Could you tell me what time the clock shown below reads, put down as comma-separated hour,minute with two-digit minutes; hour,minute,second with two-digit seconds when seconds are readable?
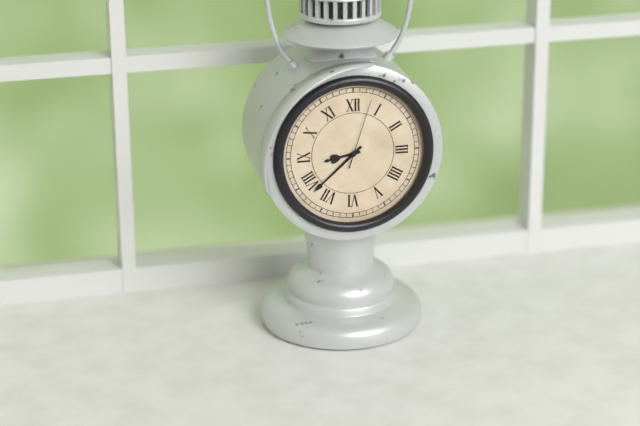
8,38,03
